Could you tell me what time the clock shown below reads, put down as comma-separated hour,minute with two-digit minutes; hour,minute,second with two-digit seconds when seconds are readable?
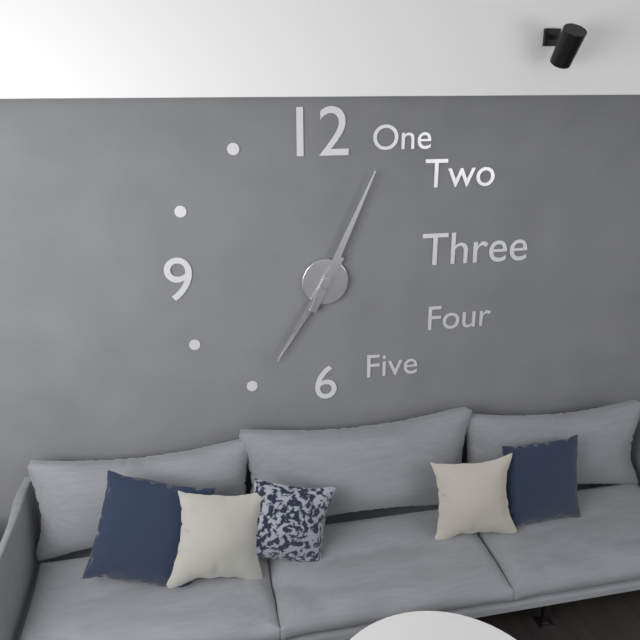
7,04
